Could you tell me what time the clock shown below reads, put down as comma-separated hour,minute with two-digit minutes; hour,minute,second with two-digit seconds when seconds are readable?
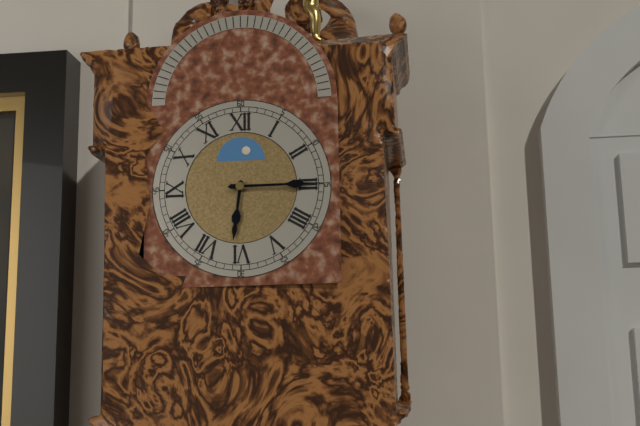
6,15
